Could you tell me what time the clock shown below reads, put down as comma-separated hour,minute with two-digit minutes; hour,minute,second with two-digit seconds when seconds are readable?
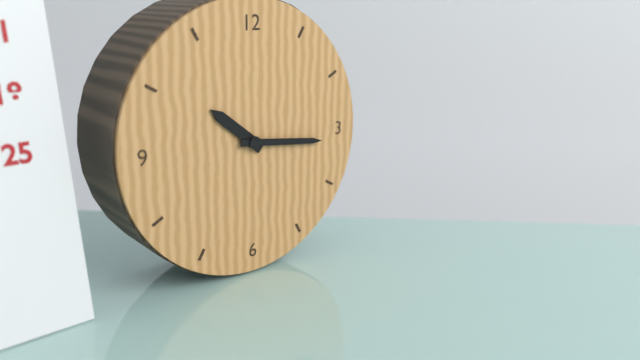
10,16
